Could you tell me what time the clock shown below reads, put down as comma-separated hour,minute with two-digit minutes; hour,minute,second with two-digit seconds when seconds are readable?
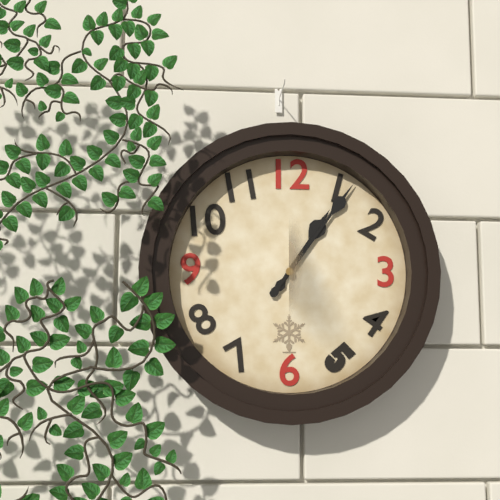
1,06
